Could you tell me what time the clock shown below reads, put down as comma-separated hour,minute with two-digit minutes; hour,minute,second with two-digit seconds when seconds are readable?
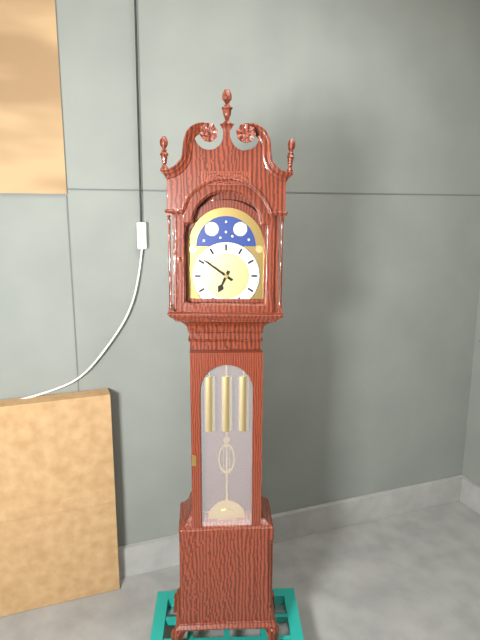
6,51
